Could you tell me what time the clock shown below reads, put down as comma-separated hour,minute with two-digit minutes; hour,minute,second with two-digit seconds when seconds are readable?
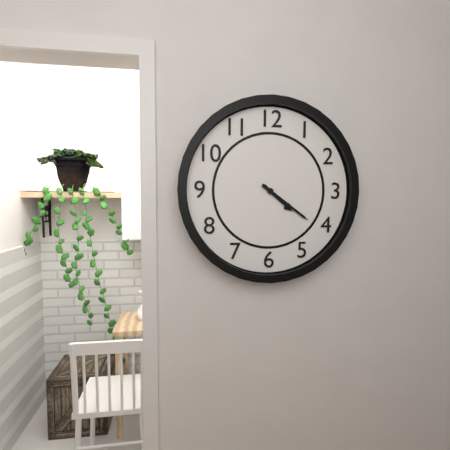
4,21
